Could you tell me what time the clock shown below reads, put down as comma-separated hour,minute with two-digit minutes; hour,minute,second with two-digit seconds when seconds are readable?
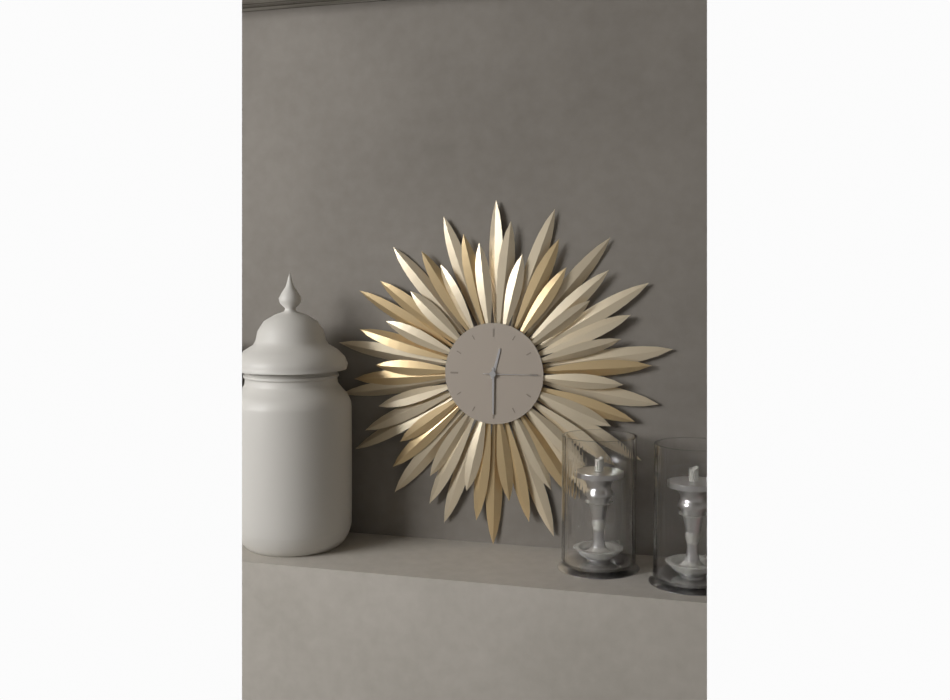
12,30,15
